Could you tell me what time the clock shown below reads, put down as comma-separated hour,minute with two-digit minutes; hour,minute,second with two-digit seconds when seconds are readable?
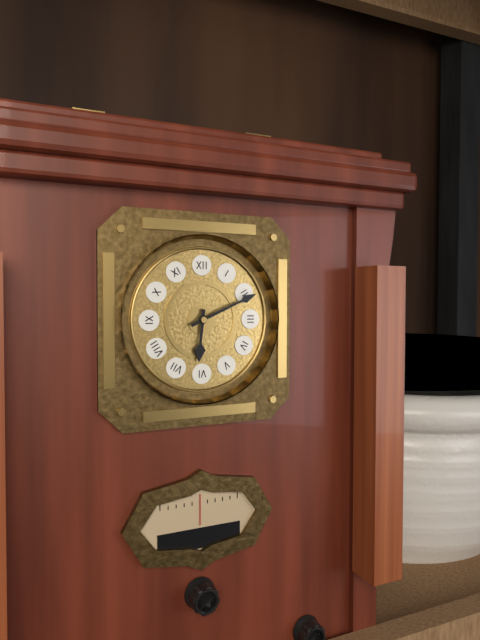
6,11
